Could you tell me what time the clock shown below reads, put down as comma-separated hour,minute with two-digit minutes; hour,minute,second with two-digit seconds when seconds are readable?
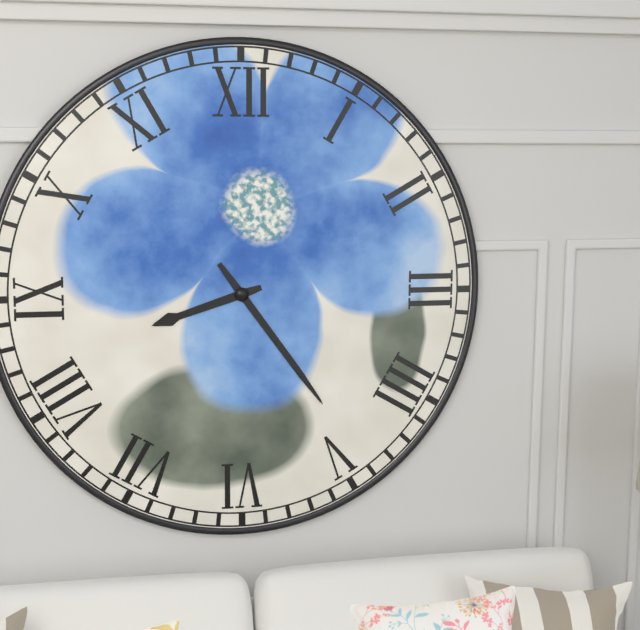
8,24
